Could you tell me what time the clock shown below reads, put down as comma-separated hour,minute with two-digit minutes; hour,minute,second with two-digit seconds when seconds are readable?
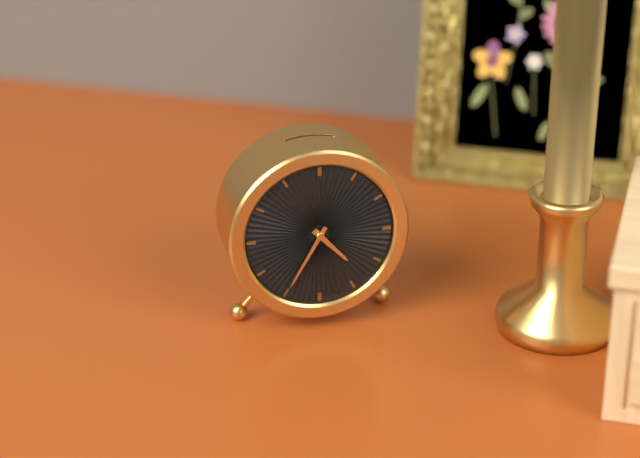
4,35
